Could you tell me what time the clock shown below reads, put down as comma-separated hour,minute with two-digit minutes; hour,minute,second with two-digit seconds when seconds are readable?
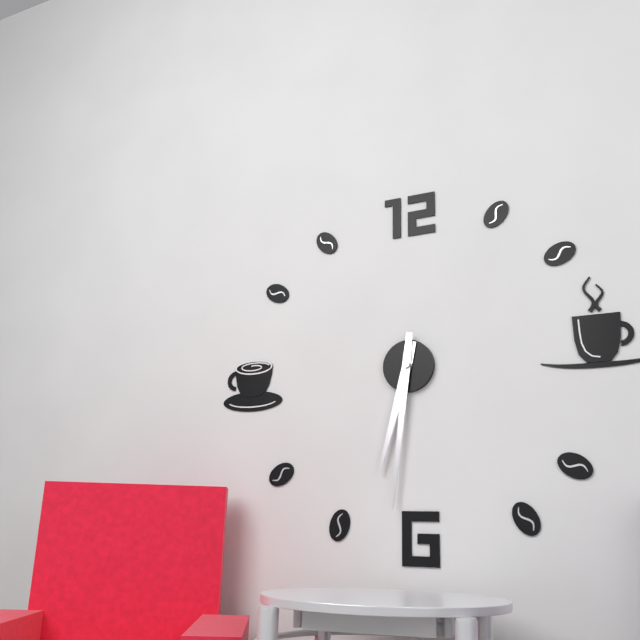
6,31
